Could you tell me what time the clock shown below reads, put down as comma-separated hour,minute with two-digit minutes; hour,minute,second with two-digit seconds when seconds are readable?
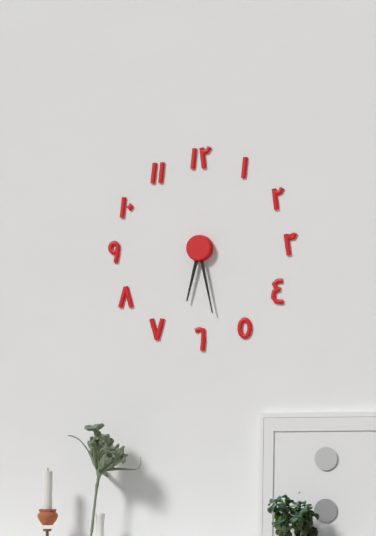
6,28
